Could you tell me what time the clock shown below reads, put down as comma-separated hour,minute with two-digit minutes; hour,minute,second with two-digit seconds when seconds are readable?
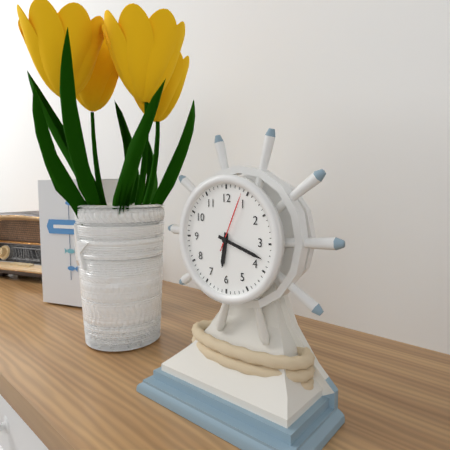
6,18,04
